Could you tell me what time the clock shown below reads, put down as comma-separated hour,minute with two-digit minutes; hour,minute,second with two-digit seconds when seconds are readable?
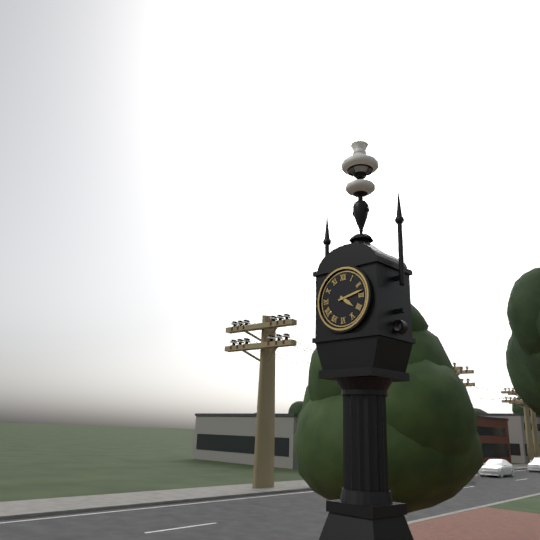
4,13
